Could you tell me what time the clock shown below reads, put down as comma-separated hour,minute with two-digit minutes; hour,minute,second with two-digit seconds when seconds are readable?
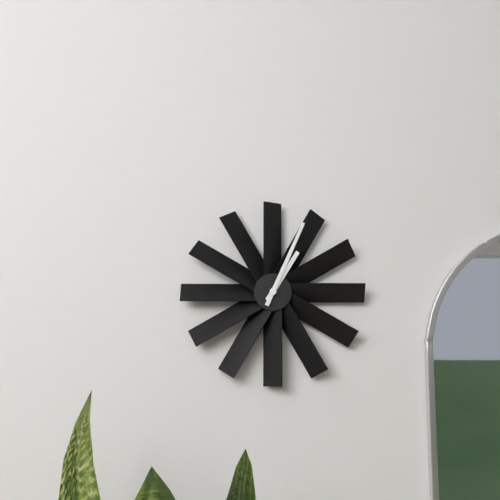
1,04
